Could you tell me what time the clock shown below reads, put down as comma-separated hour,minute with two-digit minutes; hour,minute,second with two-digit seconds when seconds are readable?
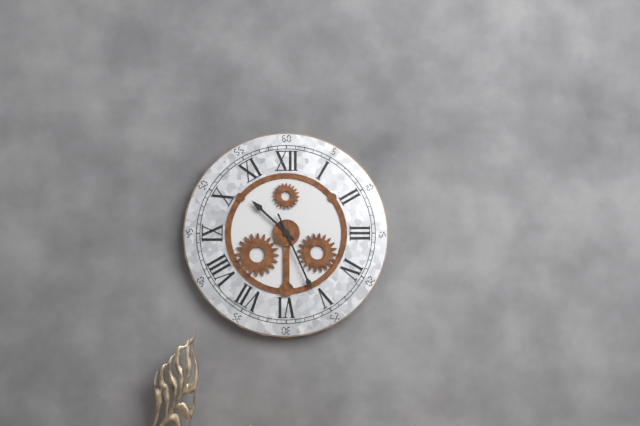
10,26
